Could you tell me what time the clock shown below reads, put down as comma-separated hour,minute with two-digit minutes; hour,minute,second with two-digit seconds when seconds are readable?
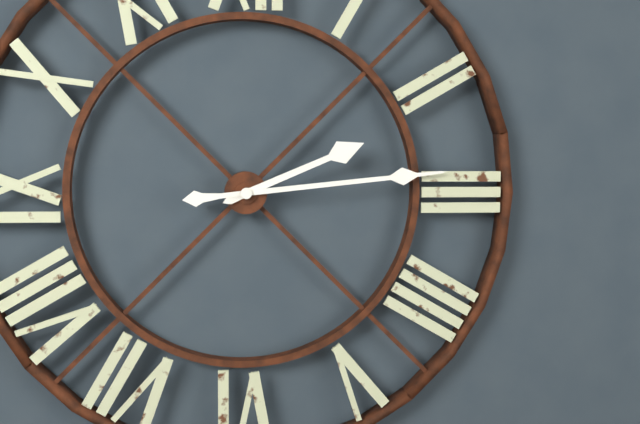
2,14
